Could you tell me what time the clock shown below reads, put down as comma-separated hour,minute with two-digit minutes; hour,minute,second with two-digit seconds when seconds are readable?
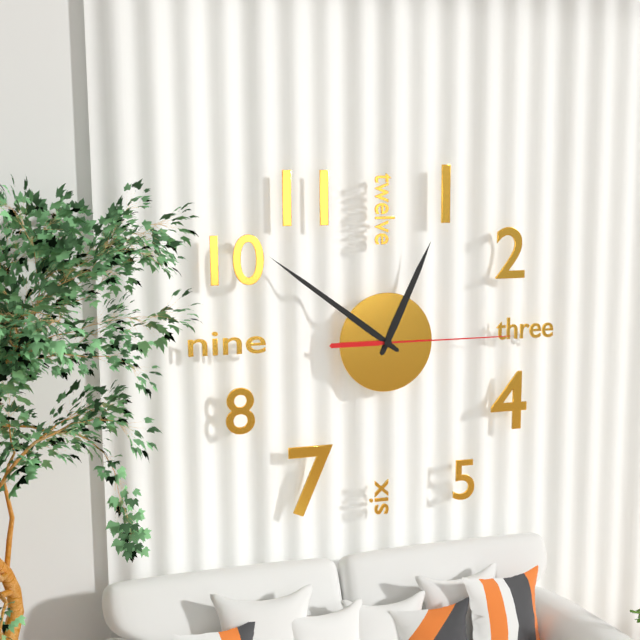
12,51,15
